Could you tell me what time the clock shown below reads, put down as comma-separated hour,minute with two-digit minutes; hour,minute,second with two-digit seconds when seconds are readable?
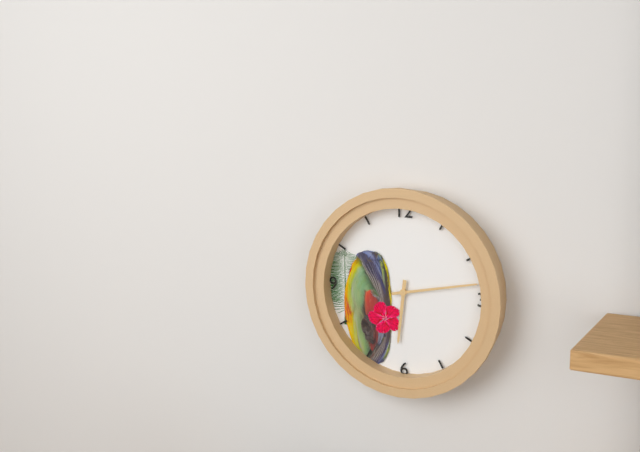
6,13
